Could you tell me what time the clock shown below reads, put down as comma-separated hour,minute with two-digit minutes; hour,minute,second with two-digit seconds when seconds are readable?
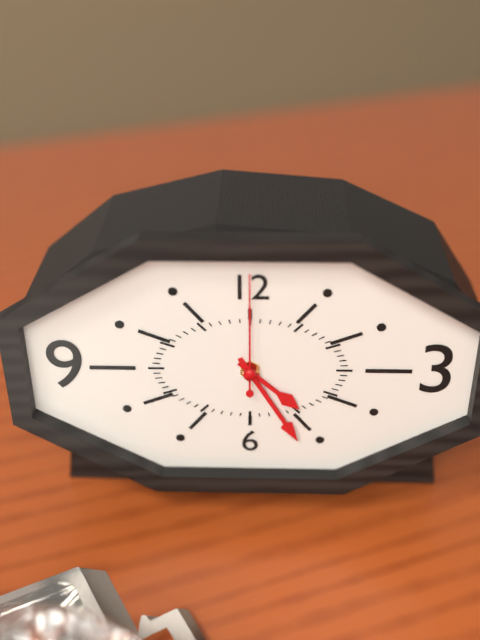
4,25,00
